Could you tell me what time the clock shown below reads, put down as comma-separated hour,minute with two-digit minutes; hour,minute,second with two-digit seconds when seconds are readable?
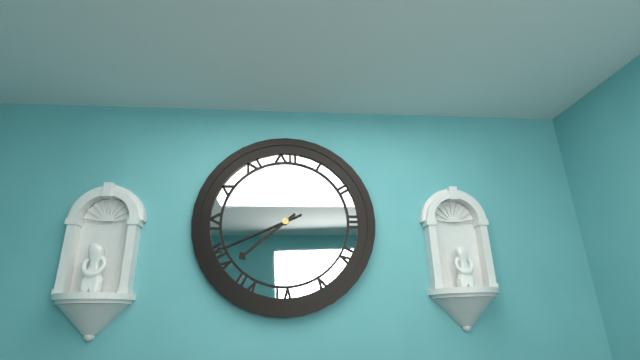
7,41
